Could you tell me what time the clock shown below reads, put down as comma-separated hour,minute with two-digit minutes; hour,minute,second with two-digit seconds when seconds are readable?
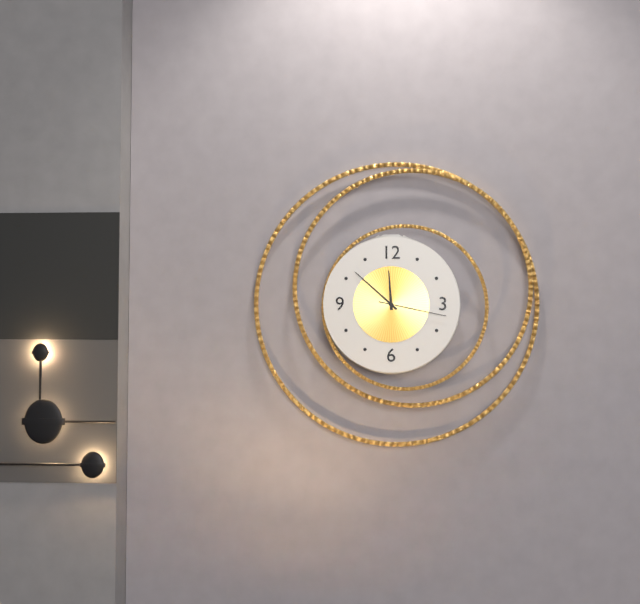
11,52,17
